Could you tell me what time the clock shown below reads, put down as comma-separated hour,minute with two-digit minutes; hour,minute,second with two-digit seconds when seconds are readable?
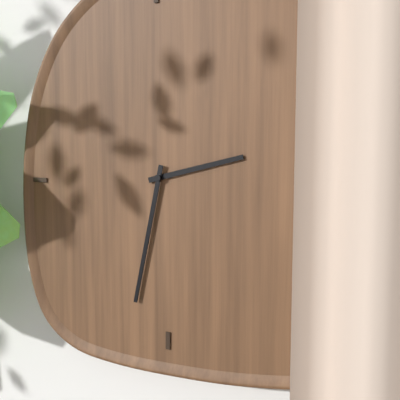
2,32
